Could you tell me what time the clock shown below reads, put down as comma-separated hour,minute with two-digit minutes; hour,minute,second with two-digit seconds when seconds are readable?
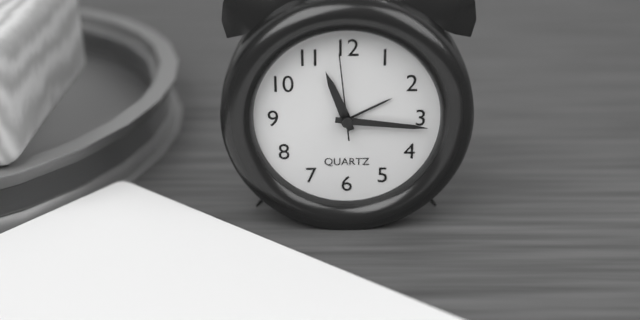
11,16,59
